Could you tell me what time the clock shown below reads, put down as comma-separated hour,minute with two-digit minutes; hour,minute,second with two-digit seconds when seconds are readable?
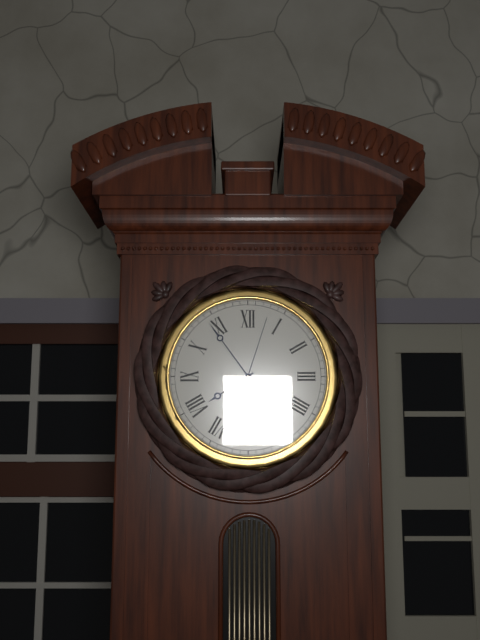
7,54,03
